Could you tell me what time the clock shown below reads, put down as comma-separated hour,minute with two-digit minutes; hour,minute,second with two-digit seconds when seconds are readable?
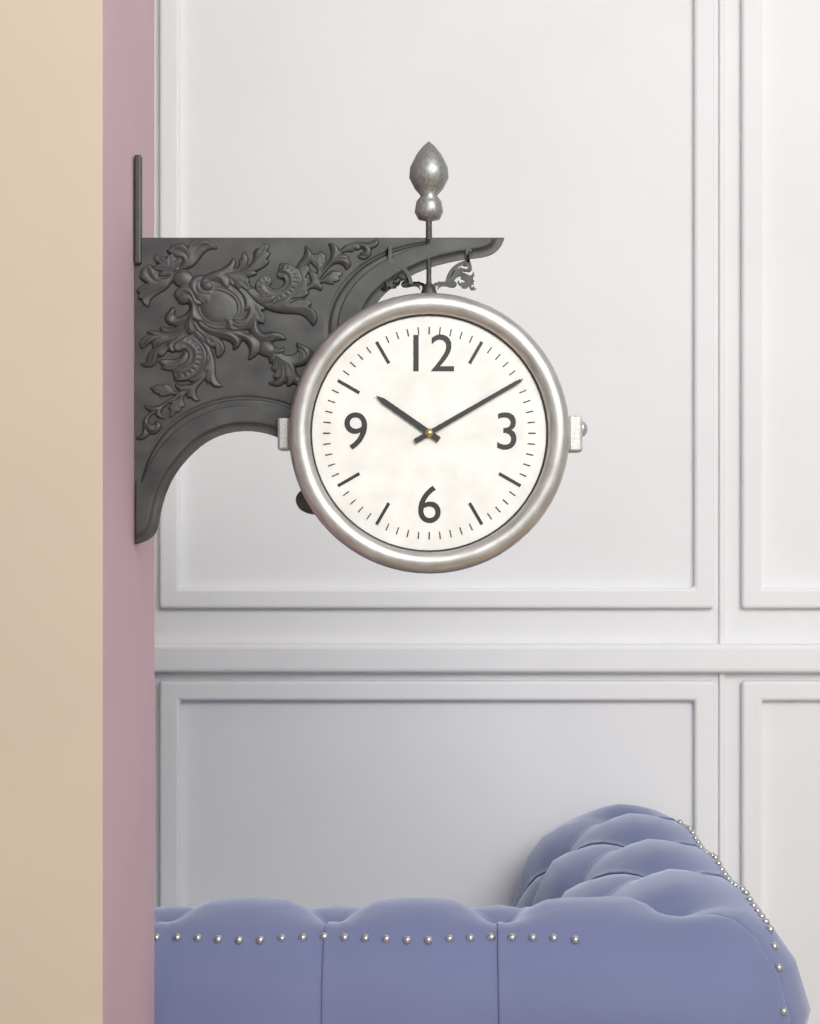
10,10
